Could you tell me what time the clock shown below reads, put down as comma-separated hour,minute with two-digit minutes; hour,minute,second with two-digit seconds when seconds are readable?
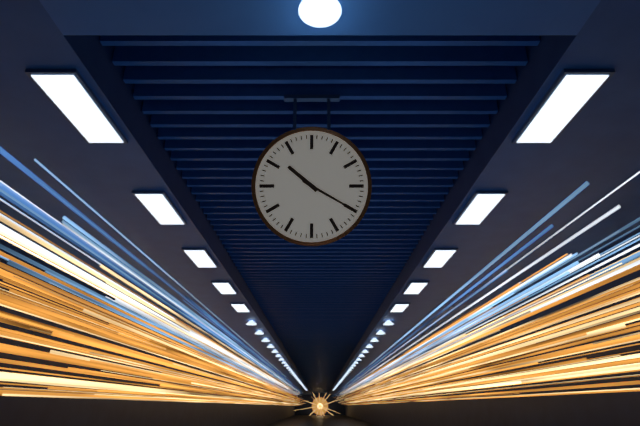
10,20
